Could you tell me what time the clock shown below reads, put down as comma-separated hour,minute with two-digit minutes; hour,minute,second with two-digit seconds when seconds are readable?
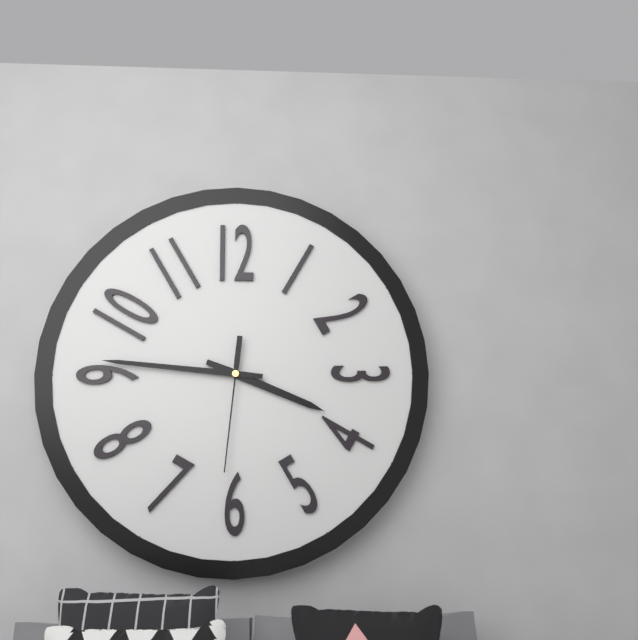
3,46,31
